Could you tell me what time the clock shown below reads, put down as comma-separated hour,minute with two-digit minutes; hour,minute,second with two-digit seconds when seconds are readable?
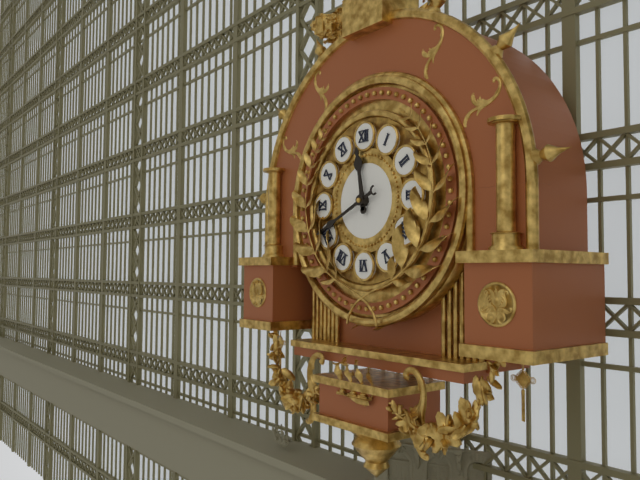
11,41
